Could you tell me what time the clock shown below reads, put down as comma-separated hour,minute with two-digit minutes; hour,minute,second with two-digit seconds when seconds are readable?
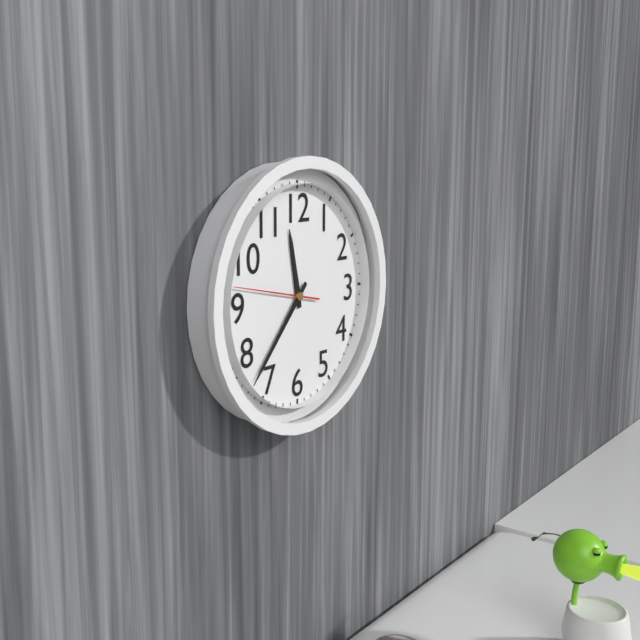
11,37,47
